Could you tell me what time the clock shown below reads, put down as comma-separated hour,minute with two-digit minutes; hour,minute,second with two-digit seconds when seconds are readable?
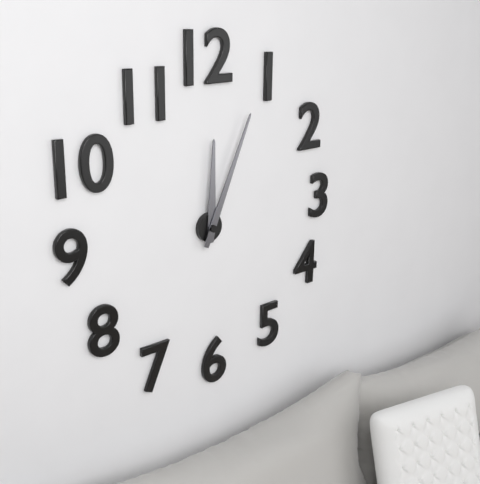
12,04
